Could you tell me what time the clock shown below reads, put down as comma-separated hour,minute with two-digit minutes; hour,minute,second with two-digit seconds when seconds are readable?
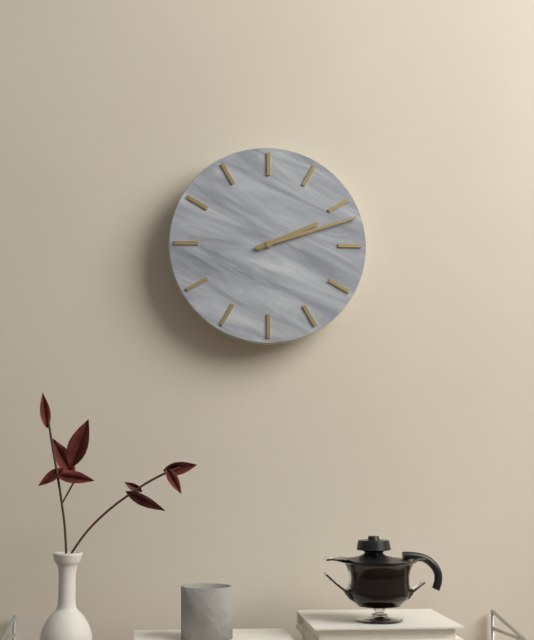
2,12
